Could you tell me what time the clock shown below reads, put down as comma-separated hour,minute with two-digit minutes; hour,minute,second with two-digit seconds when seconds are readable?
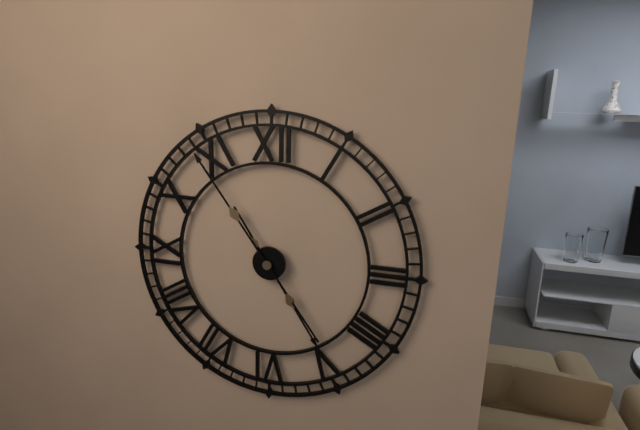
4,54
